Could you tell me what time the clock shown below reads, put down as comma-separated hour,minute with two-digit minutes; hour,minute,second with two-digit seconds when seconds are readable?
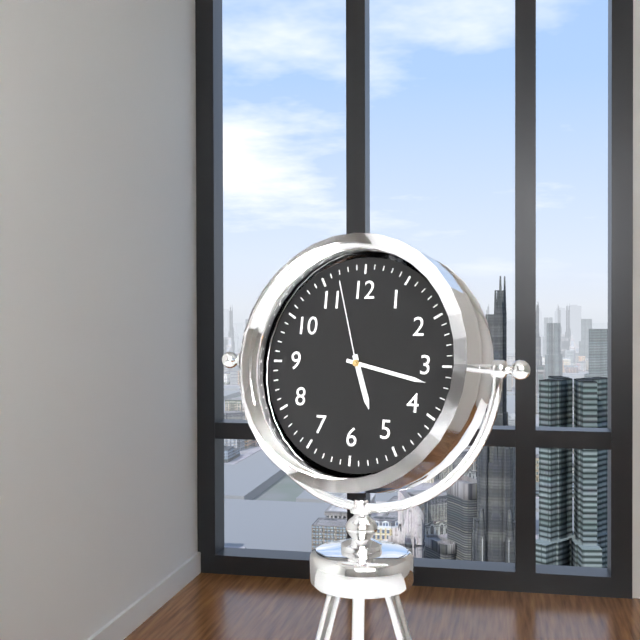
5,17,57
